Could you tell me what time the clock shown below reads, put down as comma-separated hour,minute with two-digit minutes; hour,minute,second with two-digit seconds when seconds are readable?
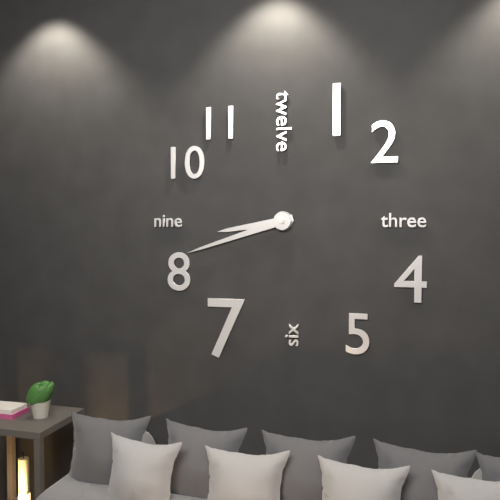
8,42
